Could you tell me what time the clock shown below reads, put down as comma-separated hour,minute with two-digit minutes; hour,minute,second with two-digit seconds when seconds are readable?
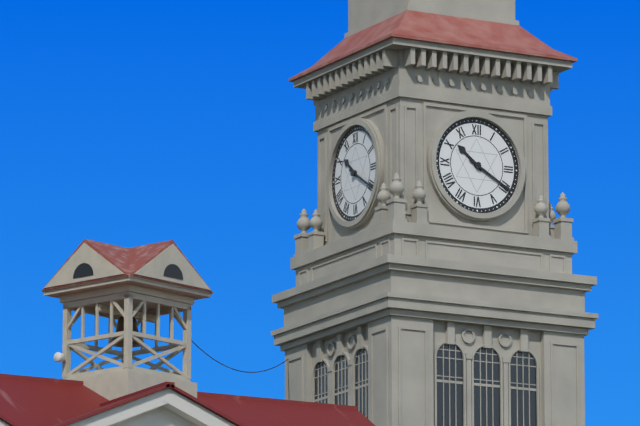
10,20
